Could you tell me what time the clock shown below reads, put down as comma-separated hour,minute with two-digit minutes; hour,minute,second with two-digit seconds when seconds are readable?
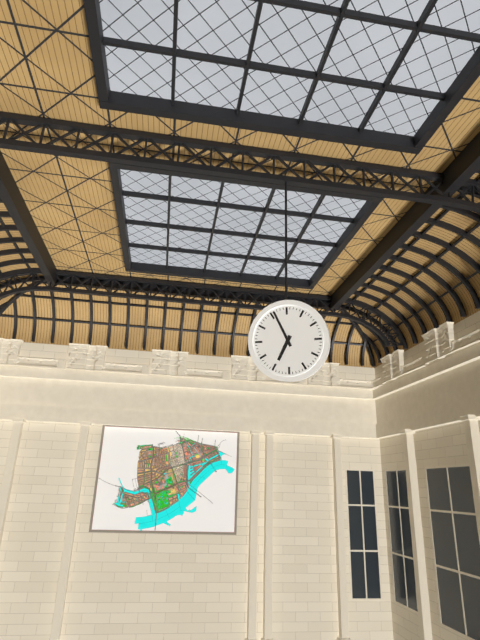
6,56
